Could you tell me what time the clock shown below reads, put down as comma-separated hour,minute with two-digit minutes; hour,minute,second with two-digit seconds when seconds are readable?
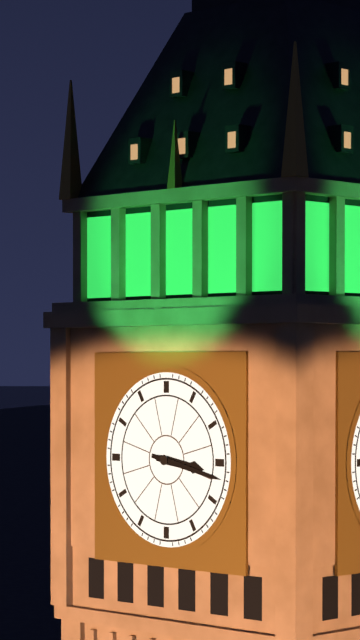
3,17
